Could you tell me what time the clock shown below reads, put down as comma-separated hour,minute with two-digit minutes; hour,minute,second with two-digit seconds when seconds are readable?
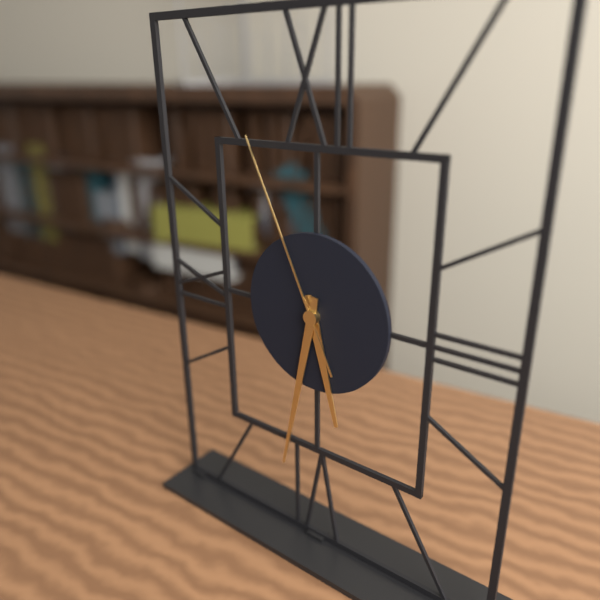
5,32,56
